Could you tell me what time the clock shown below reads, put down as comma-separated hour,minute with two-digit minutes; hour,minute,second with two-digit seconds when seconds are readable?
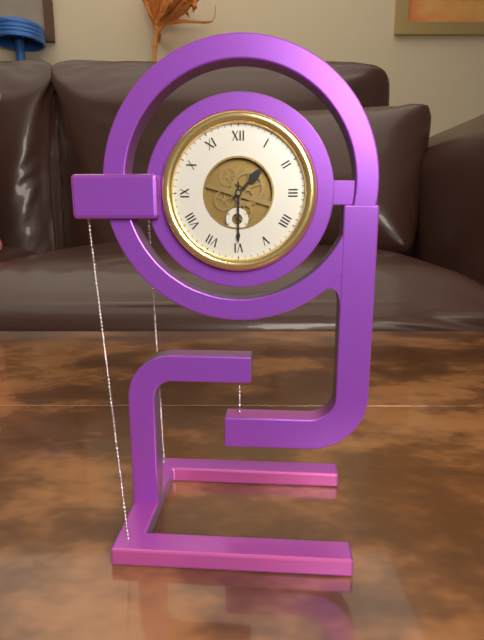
1,30
